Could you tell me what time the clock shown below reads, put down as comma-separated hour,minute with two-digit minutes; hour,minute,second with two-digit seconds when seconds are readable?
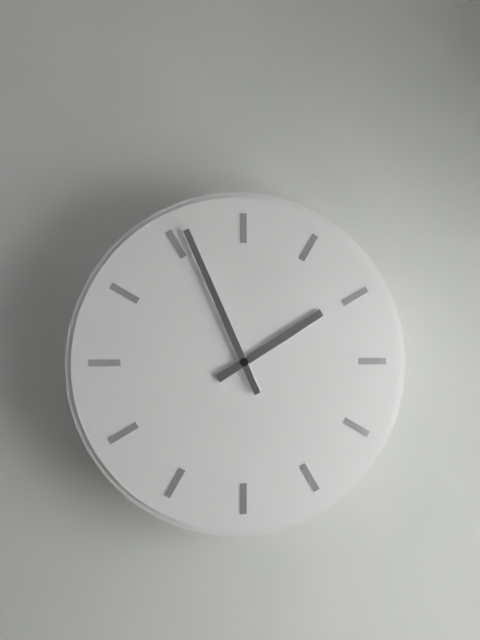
1,56
